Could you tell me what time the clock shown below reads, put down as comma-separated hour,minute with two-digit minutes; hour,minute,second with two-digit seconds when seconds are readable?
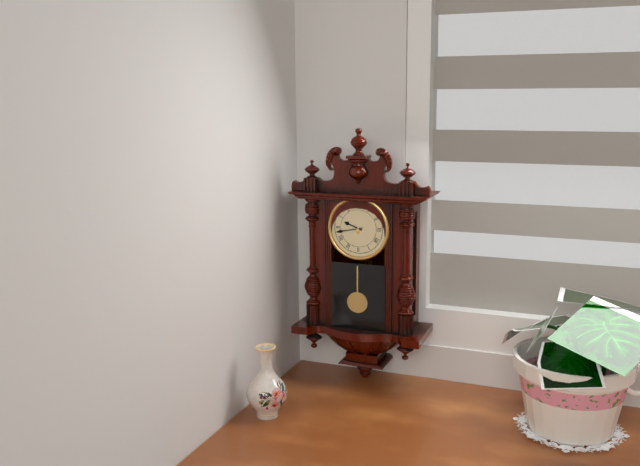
9,43
